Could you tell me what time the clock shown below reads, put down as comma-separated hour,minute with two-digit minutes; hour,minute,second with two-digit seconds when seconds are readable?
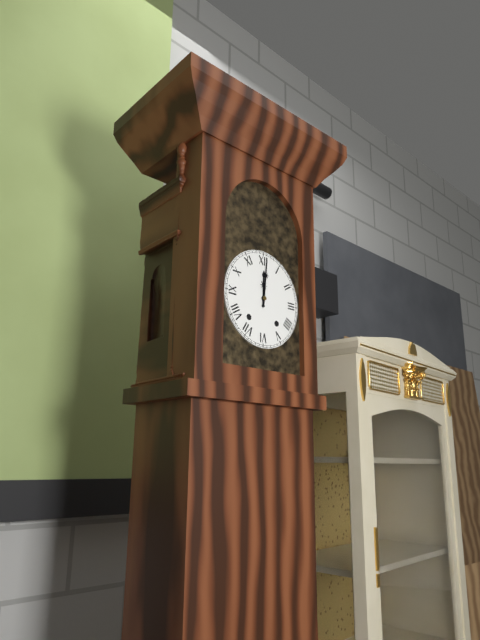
12,01
